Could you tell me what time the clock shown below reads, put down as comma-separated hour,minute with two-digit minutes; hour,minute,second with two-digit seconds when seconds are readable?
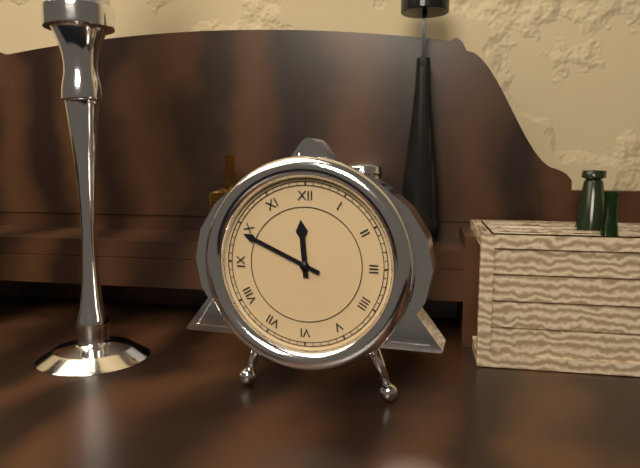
11,49
